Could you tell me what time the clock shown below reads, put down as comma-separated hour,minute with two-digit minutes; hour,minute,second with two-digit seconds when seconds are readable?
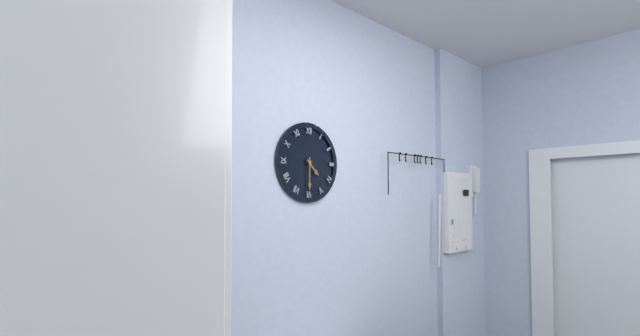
4,30
